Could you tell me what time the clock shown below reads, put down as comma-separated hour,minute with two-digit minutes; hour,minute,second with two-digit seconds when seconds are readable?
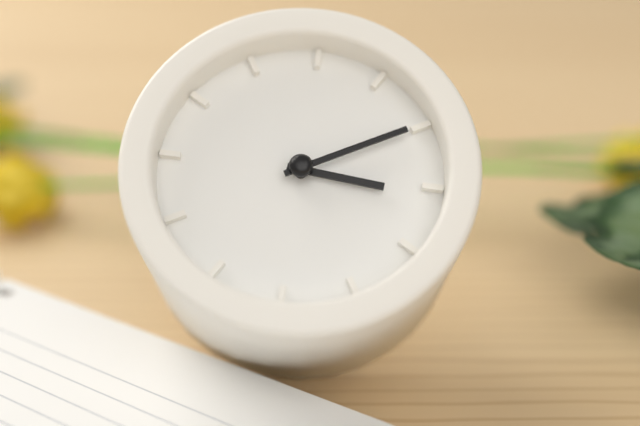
3,10
